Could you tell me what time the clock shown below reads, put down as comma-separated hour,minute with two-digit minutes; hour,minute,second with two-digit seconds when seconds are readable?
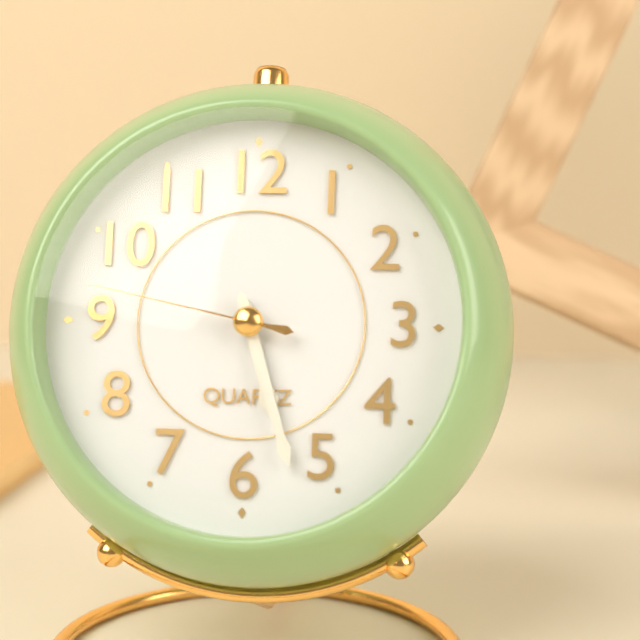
5,27,47
